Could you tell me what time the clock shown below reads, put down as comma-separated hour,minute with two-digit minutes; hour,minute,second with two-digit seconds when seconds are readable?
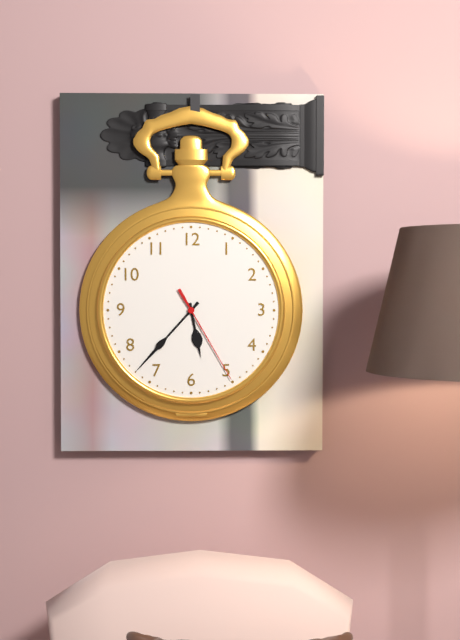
5,37,25
